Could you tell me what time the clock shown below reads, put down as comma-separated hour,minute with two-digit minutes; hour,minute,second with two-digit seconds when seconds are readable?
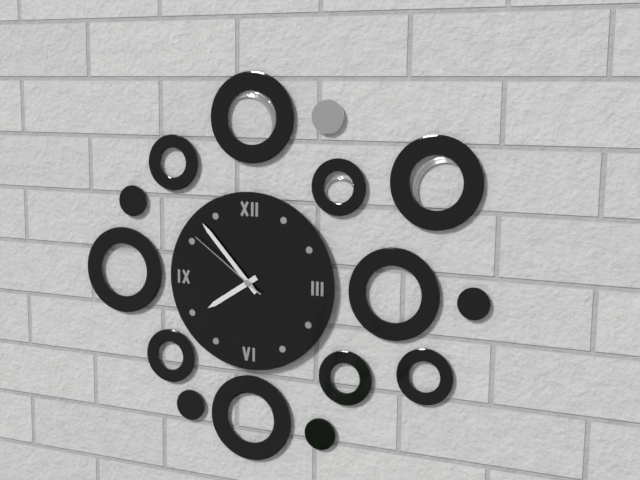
7,53,51
